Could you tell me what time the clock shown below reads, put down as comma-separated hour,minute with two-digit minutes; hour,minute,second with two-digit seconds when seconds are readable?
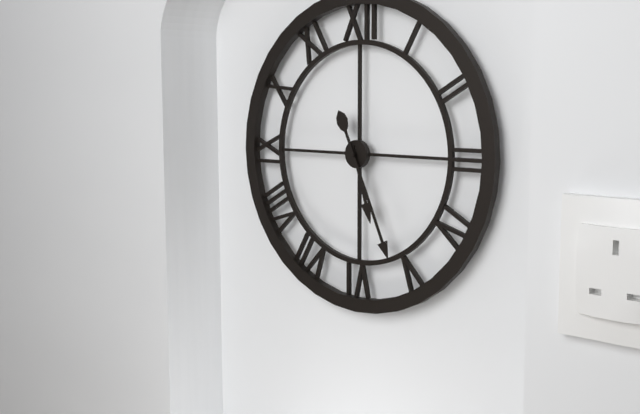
5,26
